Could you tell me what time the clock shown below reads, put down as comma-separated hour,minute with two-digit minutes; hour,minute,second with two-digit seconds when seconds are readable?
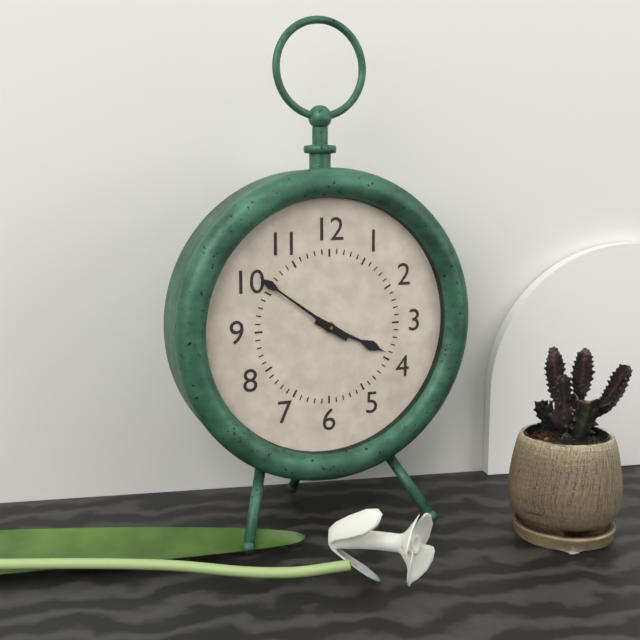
3,51
